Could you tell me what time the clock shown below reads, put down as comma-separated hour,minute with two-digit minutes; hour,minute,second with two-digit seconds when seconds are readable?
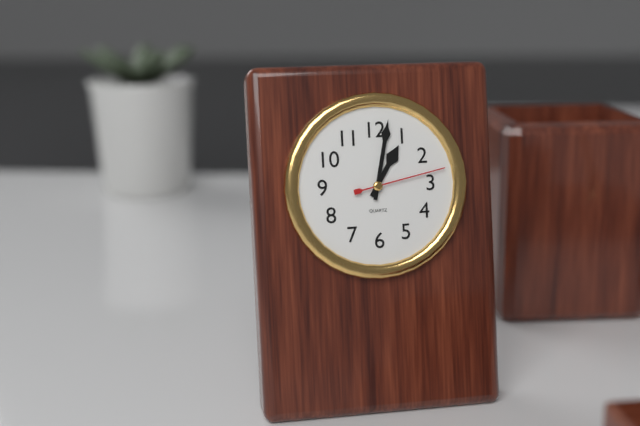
1,02,13
